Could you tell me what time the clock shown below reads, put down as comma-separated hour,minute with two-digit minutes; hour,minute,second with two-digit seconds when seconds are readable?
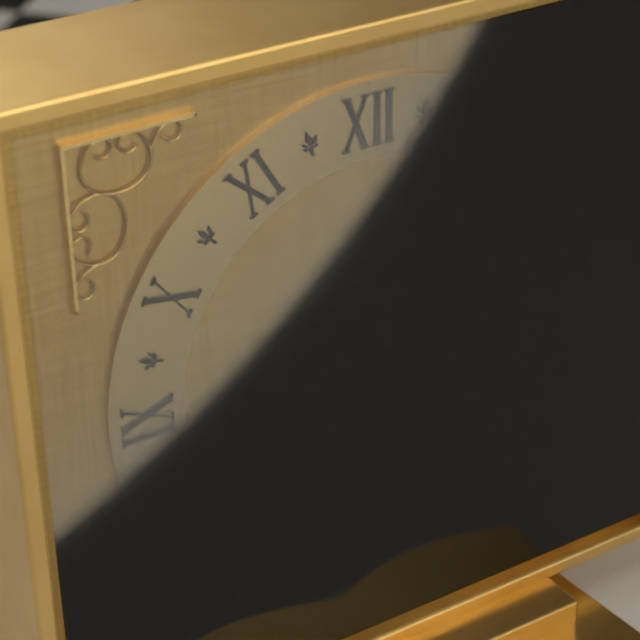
12,13
